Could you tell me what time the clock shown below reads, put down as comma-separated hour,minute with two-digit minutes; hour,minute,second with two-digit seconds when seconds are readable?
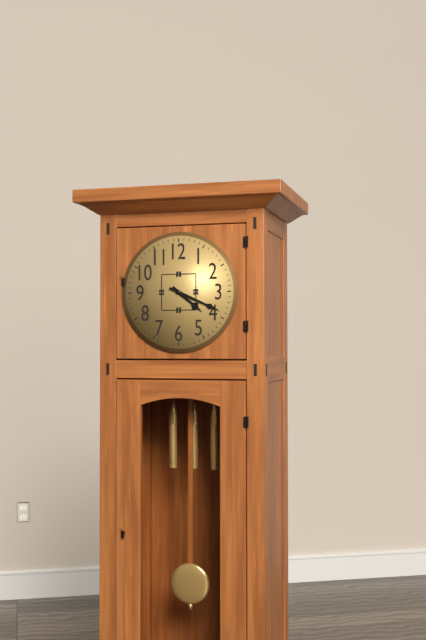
4,19
